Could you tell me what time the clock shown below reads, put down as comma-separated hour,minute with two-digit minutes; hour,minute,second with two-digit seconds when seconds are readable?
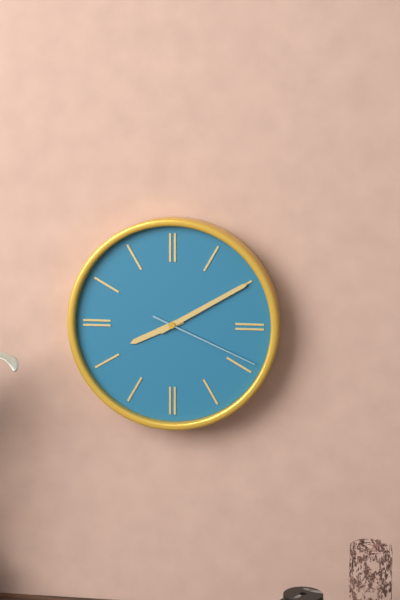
8,10,19
